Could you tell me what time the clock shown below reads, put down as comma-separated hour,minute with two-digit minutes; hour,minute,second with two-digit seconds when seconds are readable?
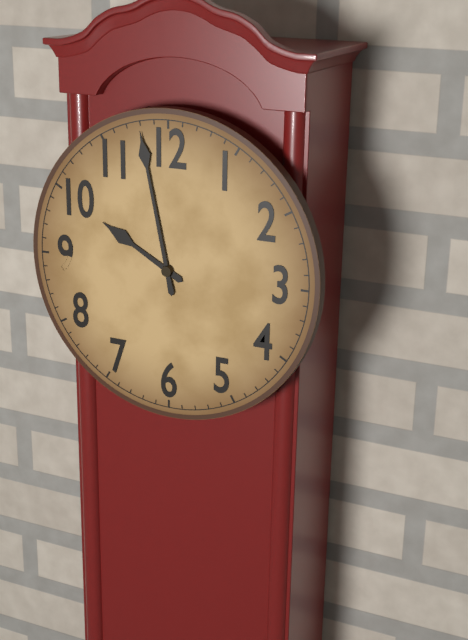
9,58
